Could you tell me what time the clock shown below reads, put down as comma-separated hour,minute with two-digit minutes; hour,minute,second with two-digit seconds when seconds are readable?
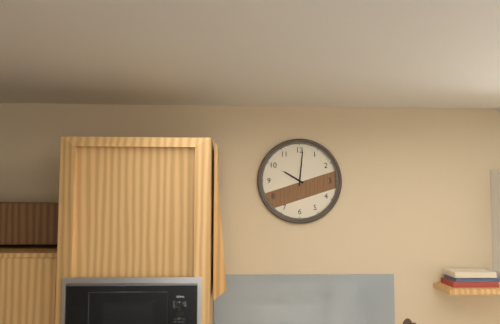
10,01
